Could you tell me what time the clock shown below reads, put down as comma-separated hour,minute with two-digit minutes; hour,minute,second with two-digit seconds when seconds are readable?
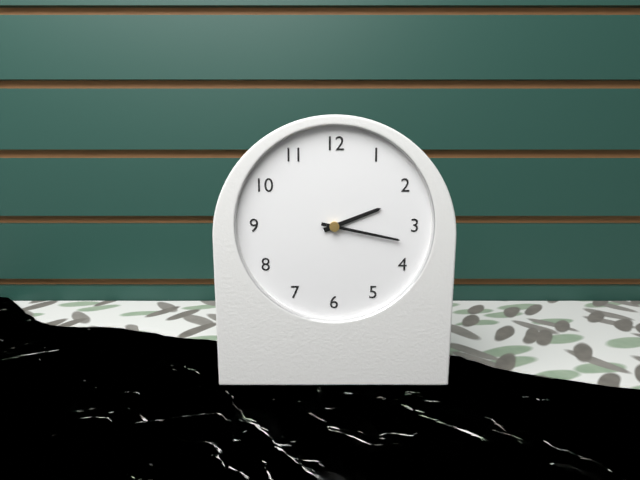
2,17
